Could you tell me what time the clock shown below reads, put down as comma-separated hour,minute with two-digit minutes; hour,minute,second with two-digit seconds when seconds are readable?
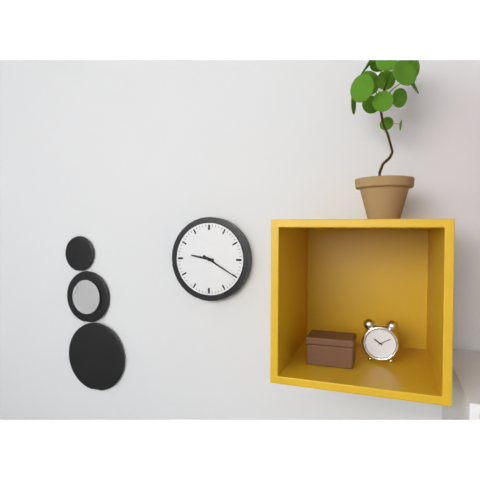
9,20
